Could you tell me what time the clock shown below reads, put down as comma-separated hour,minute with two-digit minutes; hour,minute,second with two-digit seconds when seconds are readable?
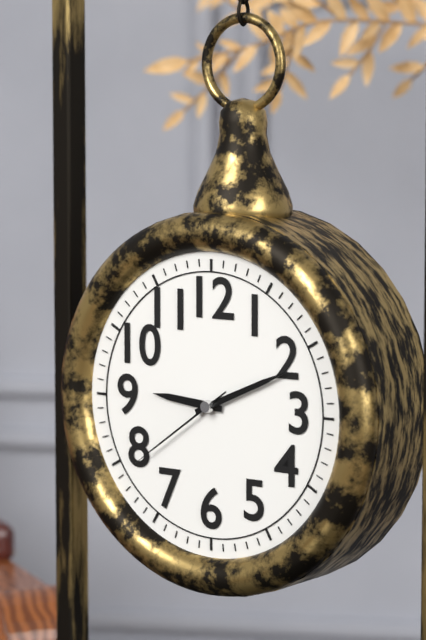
9,11,39
